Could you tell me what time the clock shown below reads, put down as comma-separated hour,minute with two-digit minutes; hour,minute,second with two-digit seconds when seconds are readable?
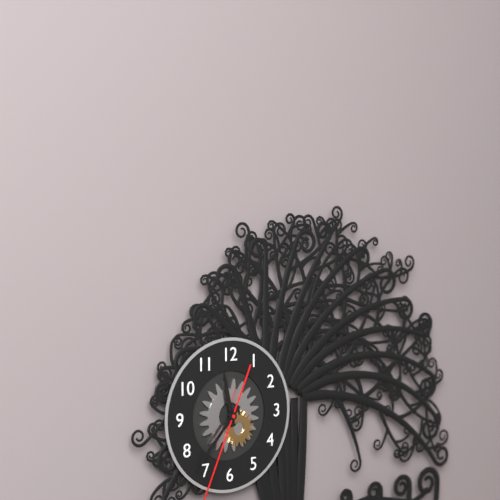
11,37
